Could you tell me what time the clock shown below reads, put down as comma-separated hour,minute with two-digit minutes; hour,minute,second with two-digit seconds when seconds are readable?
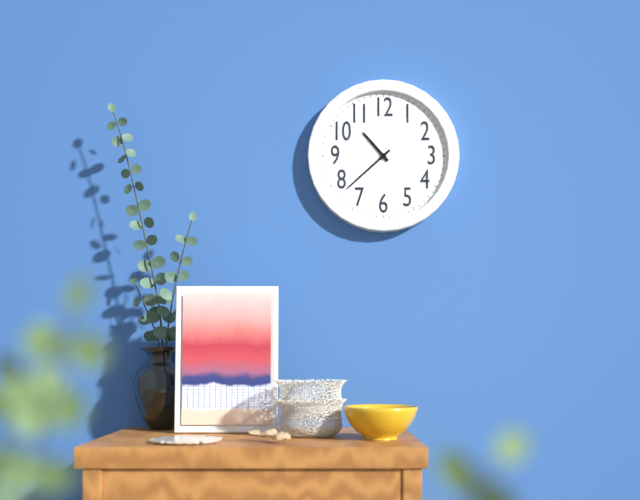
10,38
